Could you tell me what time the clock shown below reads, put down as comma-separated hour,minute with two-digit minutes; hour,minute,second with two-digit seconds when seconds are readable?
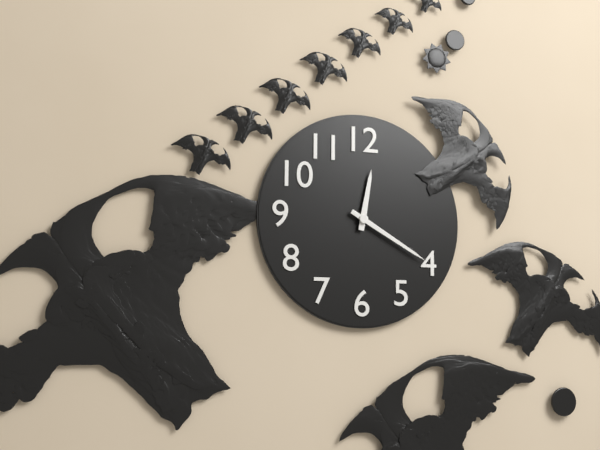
12,20
